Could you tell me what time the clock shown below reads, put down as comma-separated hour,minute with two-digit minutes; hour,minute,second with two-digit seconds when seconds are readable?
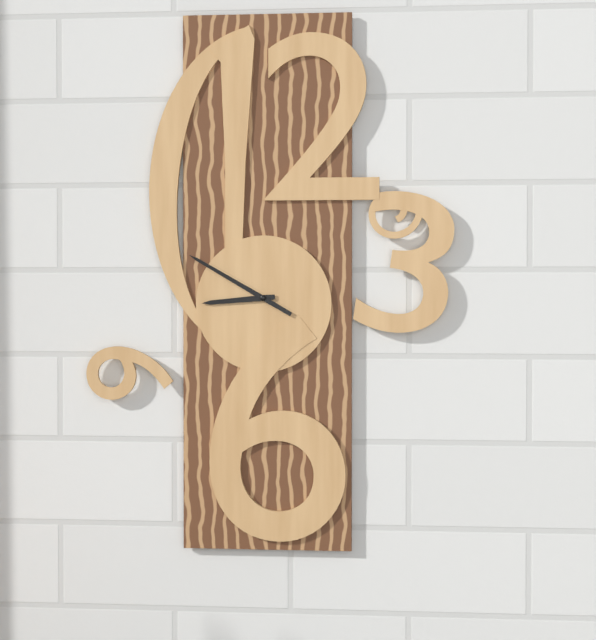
8,50
